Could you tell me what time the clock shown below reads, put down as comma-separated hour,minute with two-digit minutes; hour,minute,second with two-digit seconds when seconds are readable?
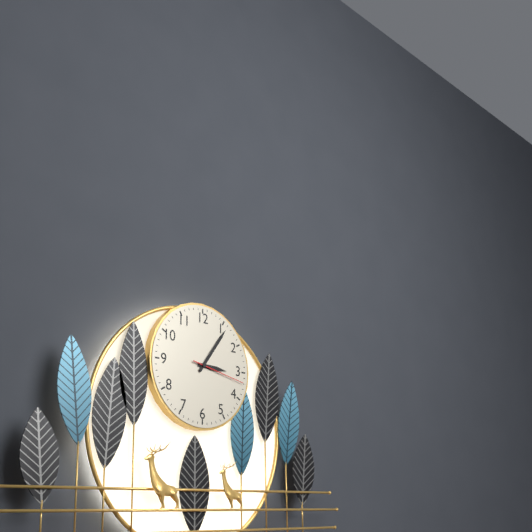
3,06,17
